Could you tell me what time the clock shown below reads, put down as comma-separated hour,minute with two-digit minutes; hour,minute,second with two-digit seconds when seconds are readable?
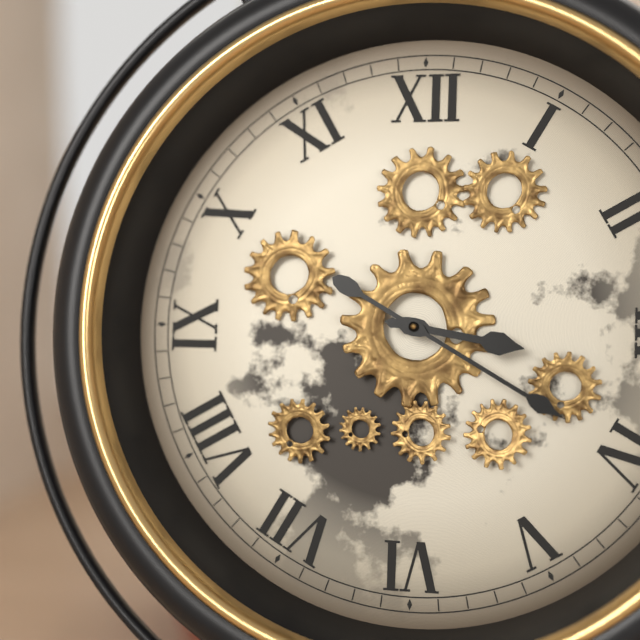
3,20
